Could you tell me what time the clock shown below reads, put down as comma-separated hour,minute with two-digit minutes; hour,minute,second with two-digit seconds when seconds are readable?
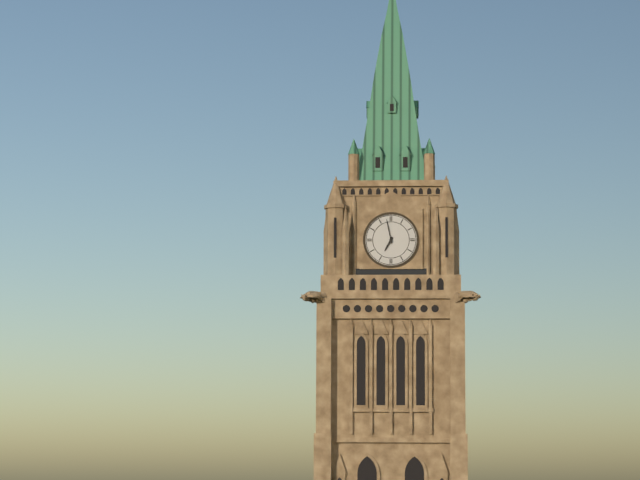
6,58
